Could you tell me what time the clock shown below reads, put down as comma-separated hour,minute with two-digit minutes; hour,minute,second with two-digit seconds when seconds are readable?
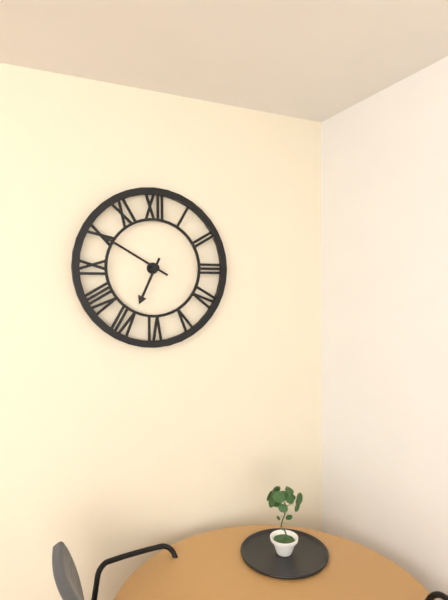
6,50
